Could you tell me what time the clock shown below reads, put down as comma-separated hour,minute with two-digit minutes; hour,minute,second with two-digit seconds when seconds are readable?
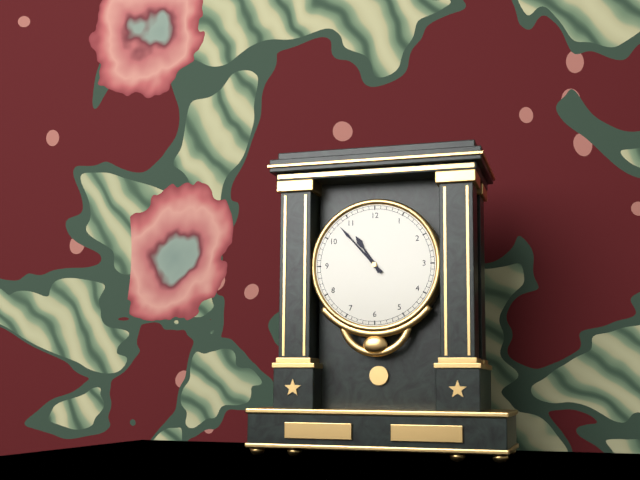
10,53
